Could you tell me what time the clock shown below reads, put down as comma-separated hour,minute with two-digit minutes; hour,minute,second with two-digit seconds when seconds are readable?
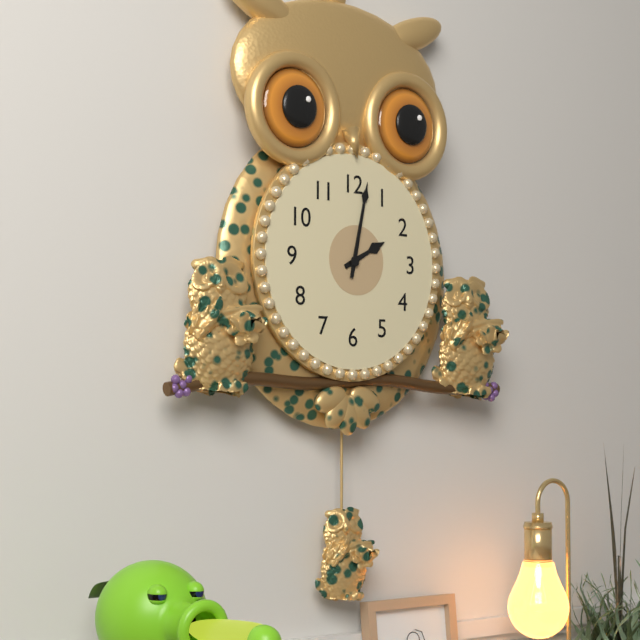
2,02
